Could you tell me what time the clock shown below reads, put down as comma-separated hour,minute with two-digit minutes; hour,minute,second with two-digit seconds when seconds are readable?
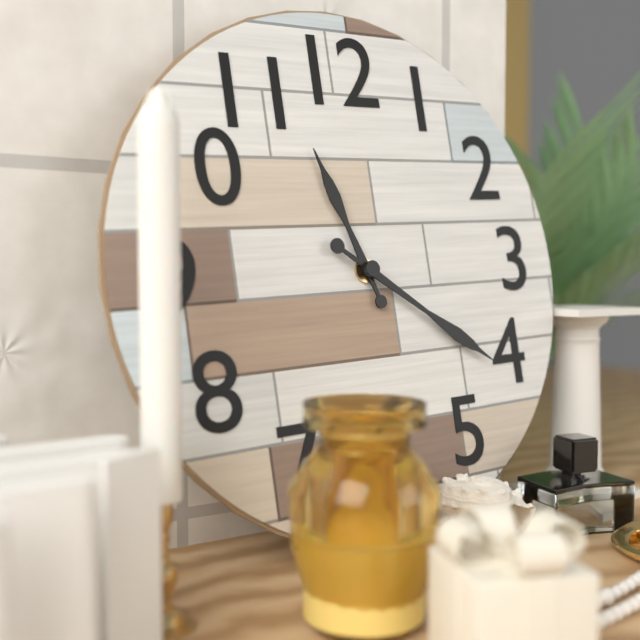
11,21
